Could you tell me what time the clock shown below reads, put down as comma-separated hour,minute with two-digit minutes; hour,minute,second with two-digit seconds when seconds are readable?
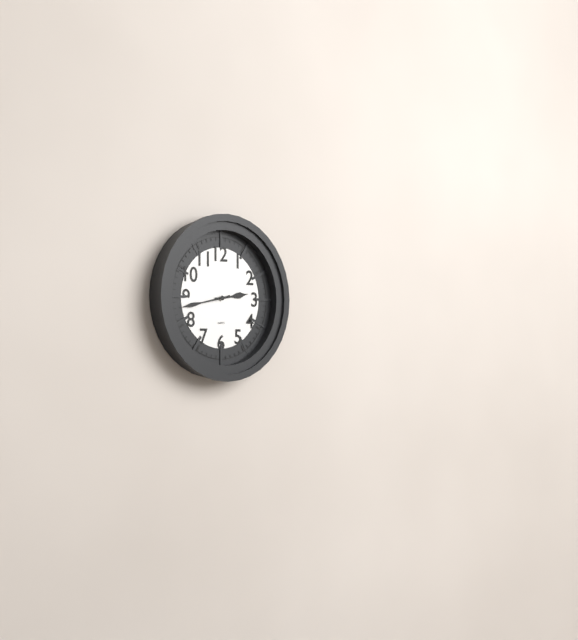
2,43
